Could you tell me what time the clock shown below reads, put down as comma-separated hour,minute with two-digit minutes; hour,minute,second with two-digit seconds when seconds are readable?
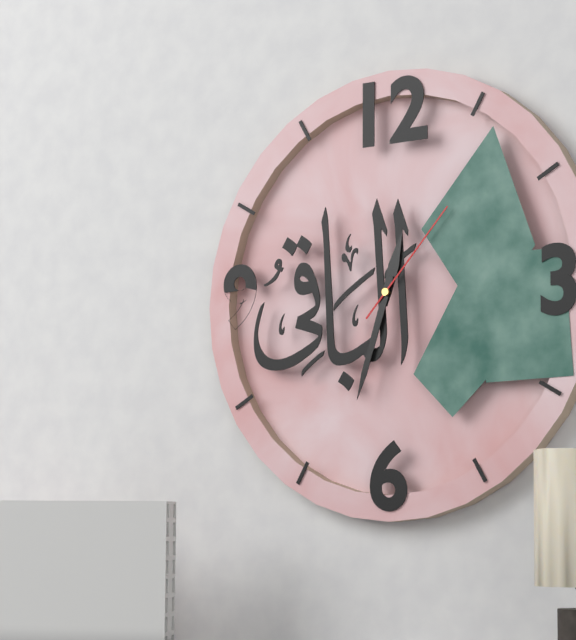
12,33,07
